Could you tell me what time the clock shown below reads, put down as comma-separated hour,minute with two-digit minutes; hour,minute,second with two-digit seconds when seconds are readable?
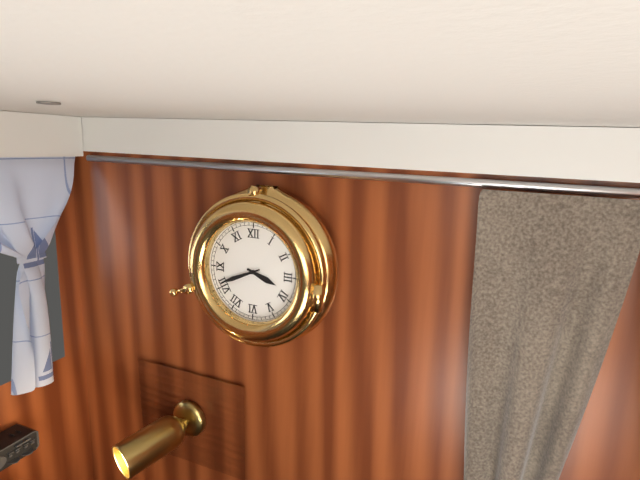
3,41
